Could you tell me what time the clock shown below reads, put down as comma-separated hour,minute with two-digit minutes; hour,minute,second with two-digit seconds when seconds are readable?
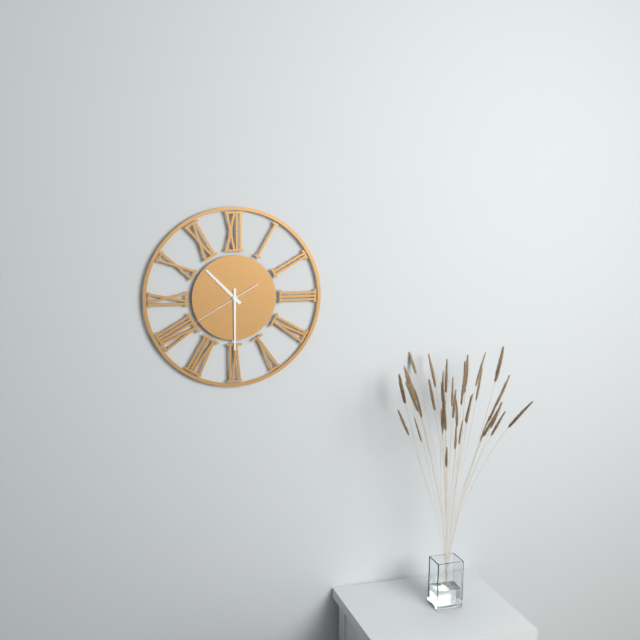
10,30,40
